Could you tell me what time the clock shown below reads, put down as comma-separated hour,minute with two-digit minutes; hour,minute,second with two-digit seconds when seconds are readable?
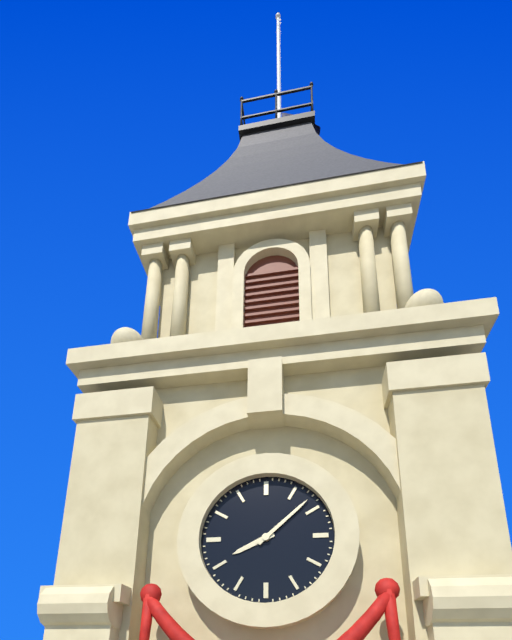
8,08
